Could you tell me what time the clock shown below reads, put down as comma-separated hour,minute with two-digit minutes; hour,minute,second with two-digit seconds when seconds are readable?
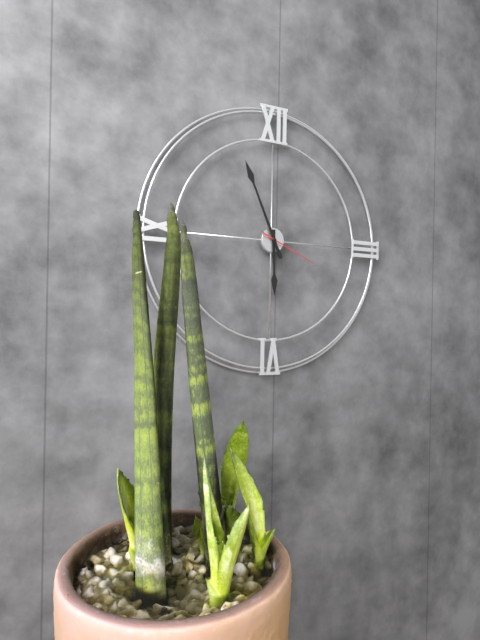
5,56,19
